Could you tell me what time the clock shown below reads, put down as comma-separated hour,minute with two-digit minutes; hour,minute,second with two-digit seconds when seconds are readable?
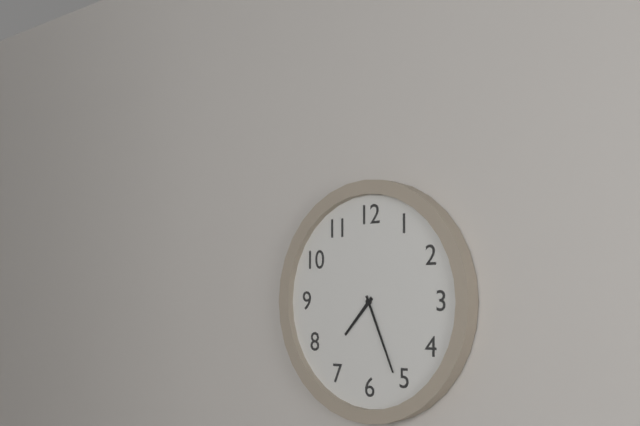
7,26
